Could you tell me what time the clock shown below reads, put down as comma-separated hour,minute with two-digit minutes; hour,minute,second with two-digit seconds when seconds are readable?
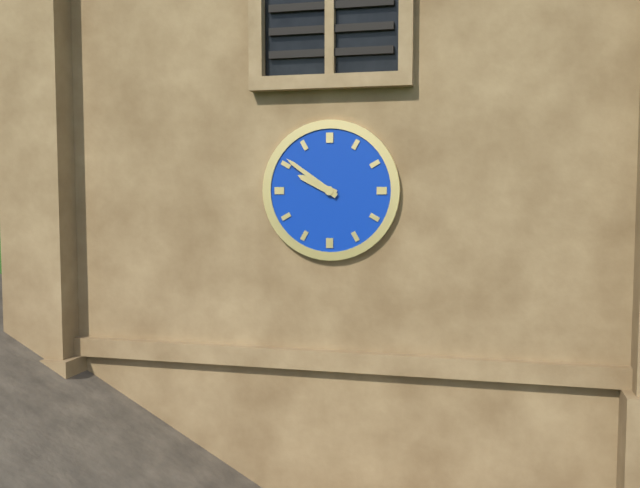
9,51
